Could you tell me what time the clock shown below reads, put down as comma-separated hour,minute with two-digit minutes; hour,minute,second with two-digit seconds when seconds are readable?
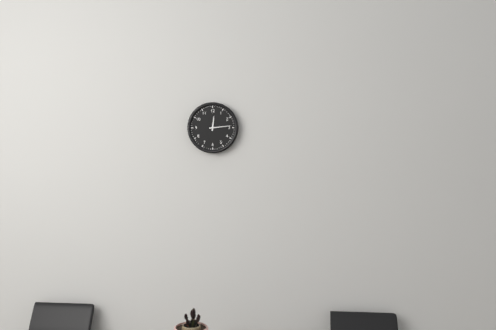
12,14
